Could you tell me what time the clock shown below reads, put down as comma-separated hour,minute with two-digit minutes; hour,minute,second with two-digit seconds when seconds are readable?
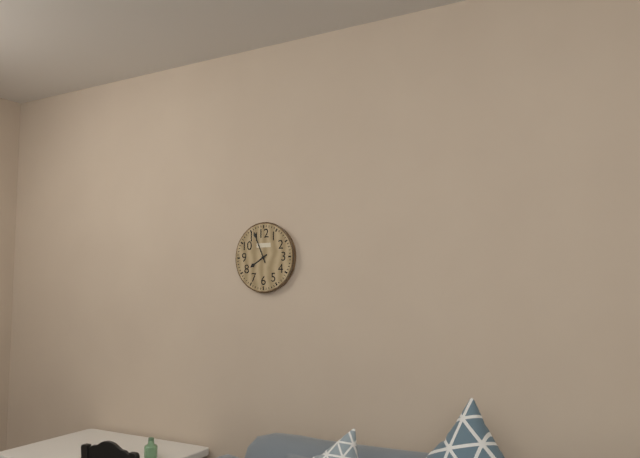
7,56
